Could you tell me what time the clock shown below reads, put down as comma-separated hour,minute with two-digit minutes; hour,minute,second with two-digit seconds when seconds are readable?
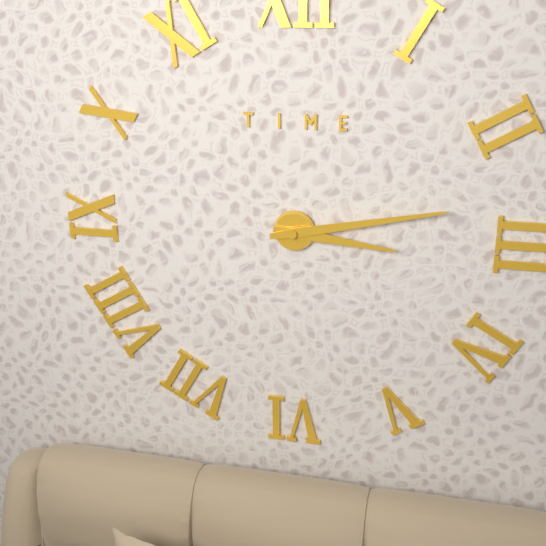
3,13
